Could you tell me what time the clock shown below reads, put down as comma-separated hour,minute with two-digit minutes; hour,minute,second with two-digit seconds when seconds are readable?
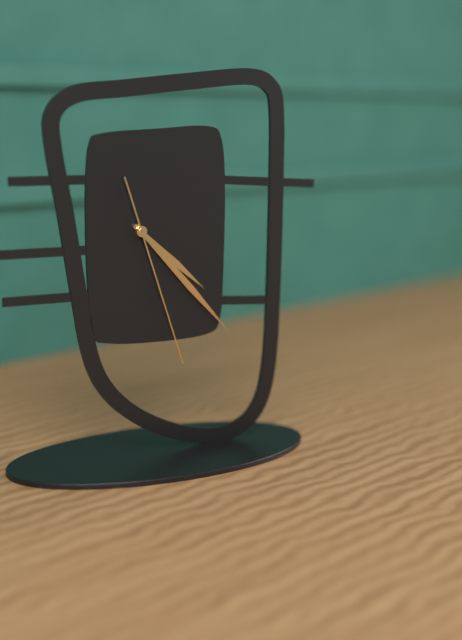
4,23,27
